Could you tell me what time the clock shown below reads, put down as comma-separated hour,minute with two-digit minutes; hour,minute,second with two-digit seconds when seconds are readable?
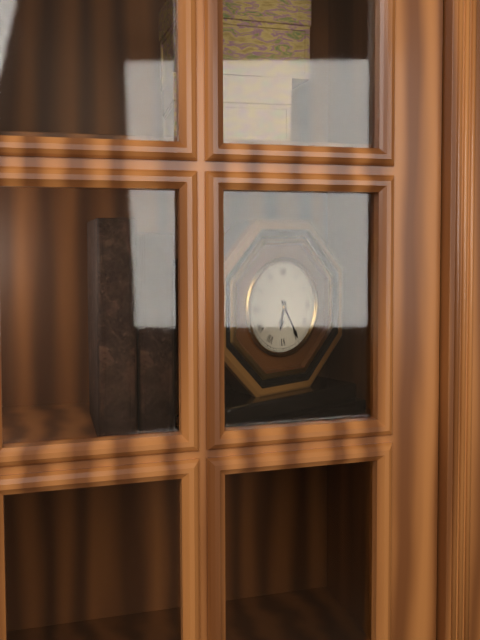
6,25
